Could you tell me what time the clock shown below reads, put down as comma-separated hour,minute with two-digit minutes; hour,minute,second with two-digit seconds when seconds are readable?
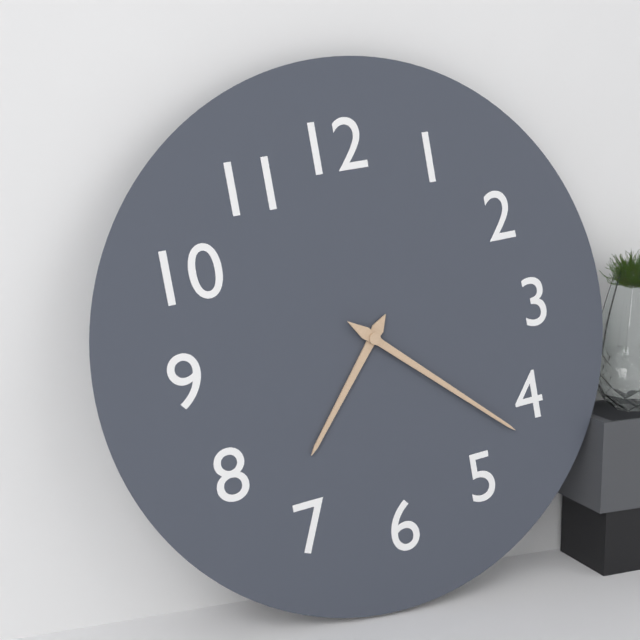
7,22
